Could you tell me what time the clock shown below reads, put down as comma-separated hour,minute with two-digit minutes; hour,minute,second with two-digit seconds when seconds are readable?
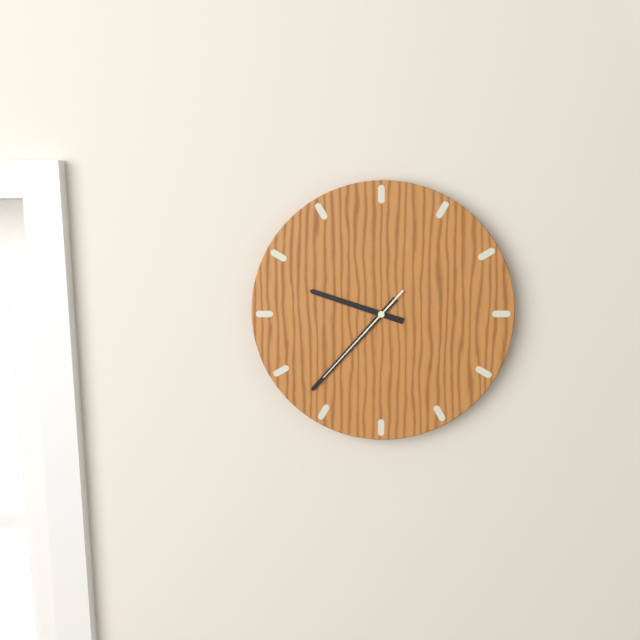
9,37,37
